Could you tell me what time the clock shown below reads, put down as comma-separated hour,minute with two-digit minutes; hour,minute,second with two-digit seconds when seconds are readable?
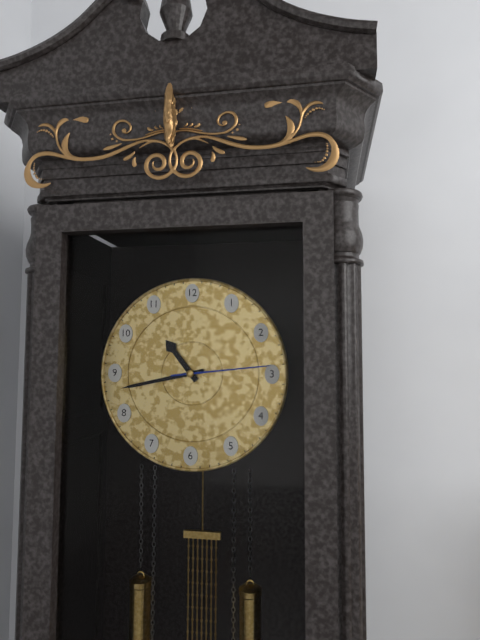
10,43,14
